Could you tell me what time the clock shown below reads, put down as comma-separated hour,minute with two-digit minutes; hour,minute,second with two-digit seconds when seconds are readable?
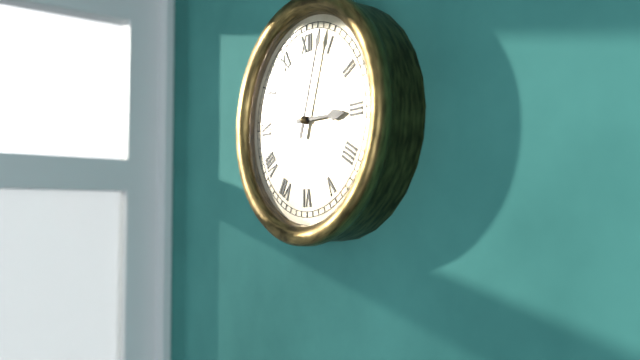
3,03
